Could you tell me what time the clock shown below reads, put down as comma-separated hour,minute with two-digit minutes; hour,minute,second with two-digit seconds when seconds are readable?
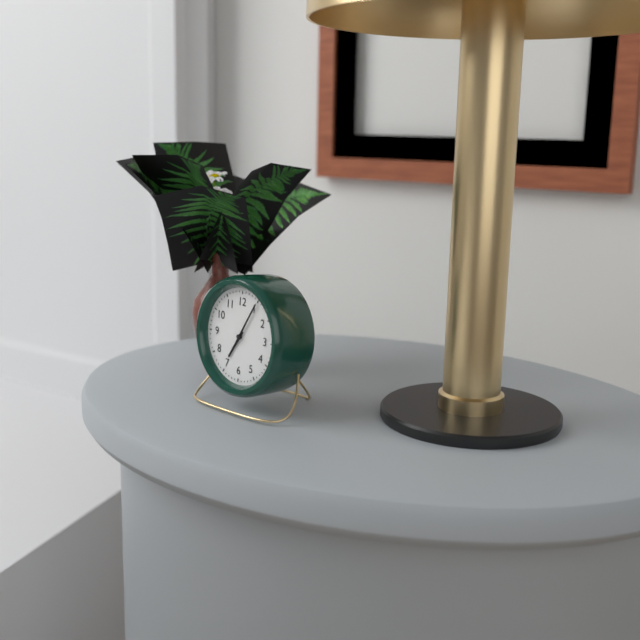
7,05
